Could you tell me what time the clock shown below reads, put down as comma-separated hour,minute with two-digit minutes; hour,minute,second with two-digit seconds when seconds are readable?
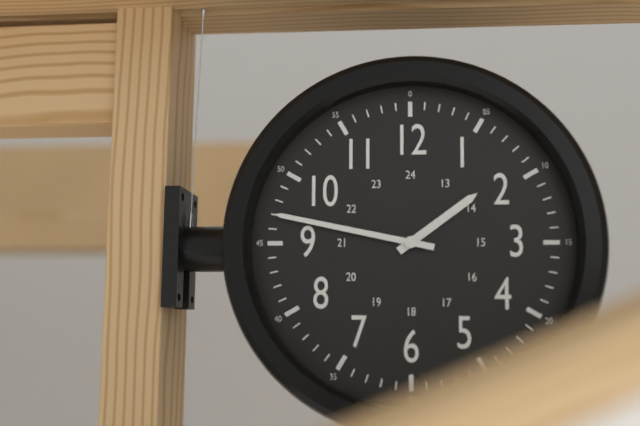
1,47
